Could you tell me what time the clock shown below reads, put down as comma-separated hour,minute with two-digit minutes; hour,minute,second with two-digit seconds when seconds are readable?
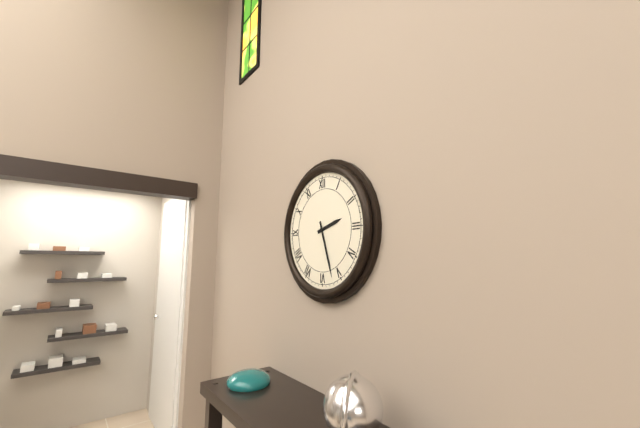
2,27
